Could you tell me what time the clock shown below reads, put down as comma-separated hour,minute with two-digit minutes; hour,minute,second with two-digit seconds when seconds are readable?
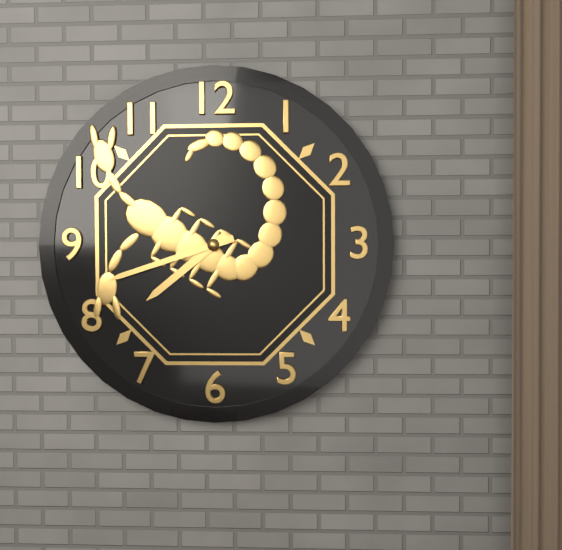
7,42
